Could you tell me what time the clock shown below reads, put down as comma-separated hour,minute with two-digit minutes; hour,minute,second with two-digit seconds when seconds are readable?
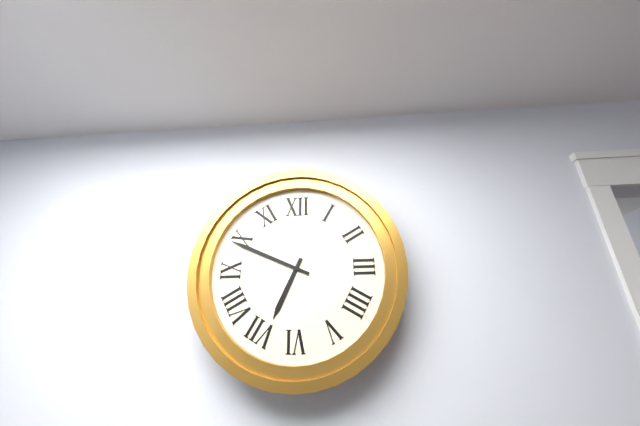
6,49
